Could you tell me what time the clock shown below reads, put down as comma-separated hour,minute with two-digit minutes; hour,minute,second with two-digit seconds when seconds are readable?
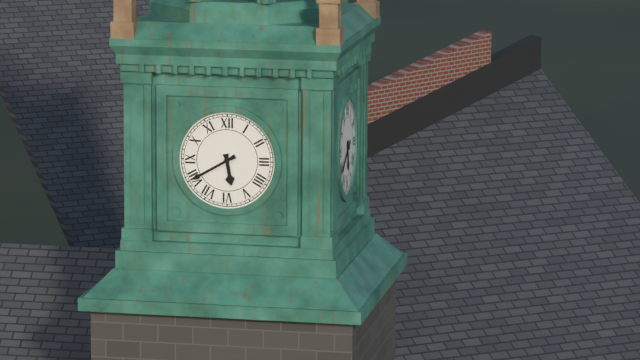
5,40
